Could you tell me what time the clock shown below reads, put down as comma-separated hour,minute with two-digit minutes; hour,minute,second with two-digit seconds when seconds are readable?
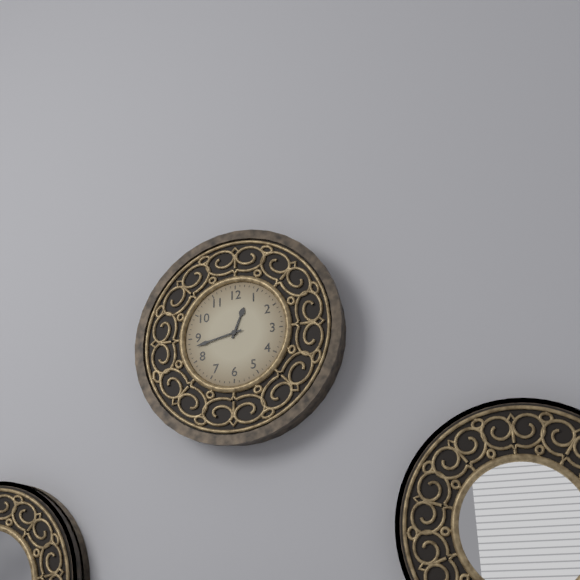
12,43
